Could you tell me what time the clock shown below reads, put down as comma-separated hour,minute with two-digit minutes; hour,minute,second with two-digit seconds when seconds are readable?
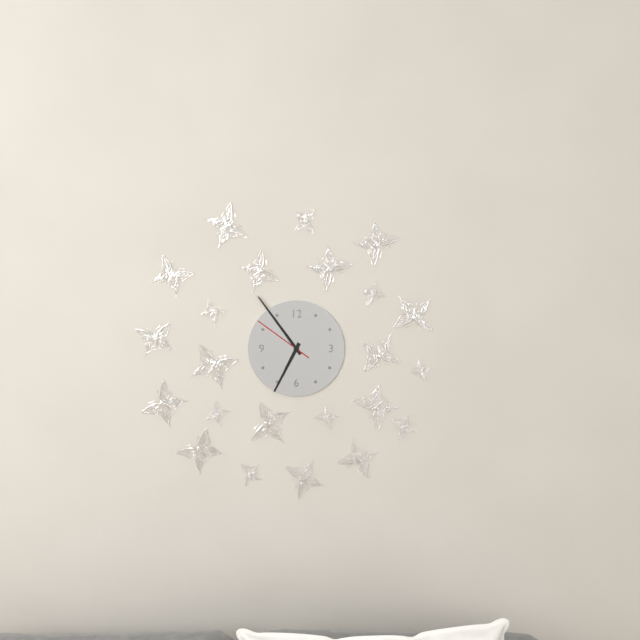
6,54,51
